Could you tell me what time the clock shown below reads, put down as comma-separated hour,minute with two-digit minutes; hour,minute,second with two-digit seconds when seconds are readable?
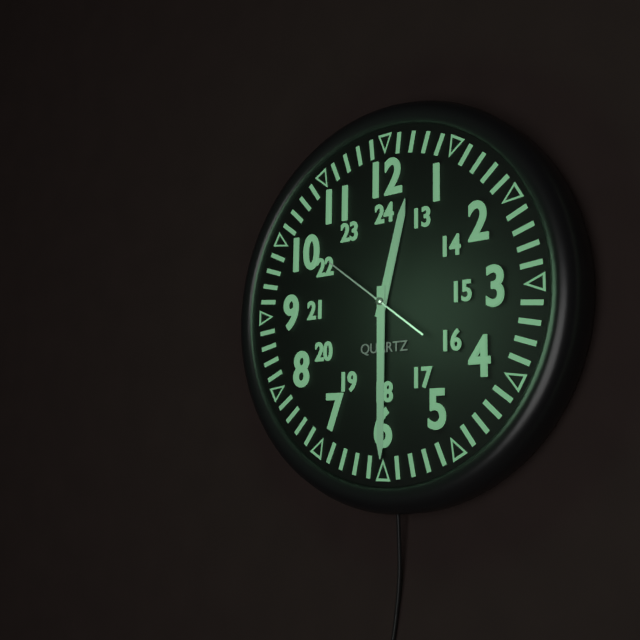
12,30,51
